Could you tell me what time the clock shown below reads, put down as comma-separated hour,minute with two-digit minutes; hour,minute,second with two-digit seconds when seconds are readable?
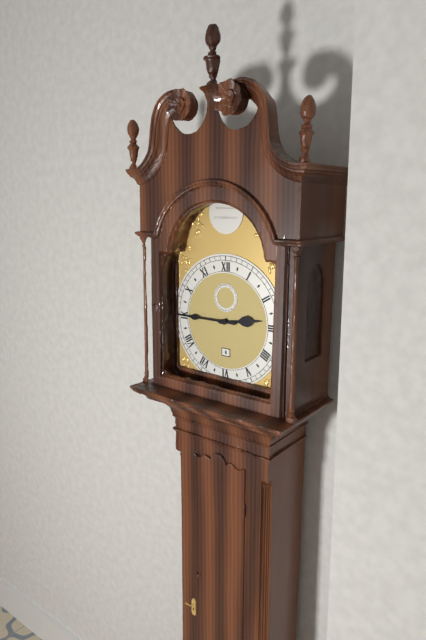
2,45
